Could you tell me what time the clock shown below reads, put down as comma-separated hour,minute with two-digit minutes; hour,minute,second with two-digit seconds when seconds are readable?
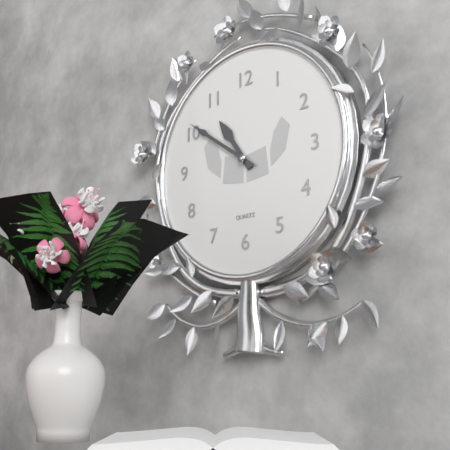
10,51
